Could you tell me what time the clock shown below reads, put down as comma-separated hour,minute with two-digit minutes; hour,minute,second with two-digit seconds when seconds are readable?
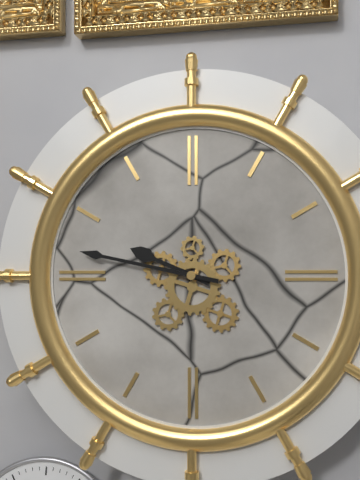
9,47
